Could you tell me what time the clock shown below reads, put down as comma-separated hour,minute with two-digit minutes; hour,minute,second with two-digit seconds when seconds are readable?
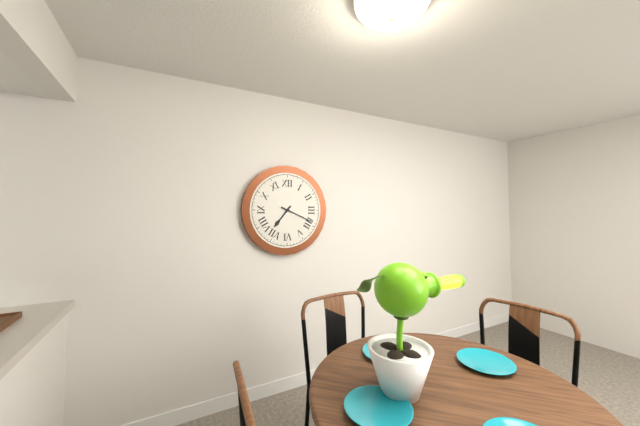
7,19
